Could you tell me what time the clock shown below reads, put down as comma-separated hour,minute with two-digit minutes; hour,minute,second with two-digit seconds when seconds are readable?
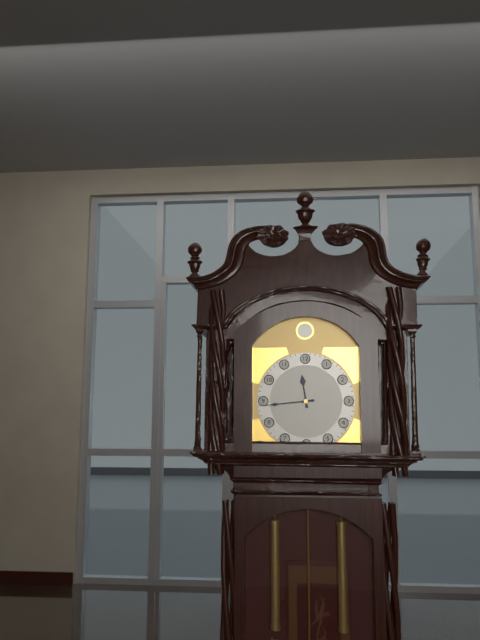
11,44
